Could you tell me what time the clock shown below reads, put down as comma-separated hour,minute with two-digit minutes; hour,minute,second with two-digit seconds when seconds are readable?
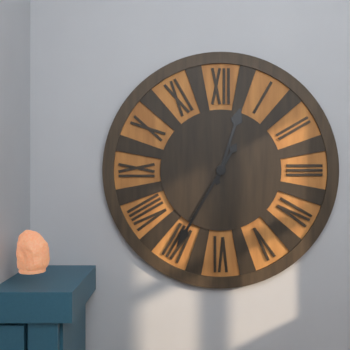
12,35
